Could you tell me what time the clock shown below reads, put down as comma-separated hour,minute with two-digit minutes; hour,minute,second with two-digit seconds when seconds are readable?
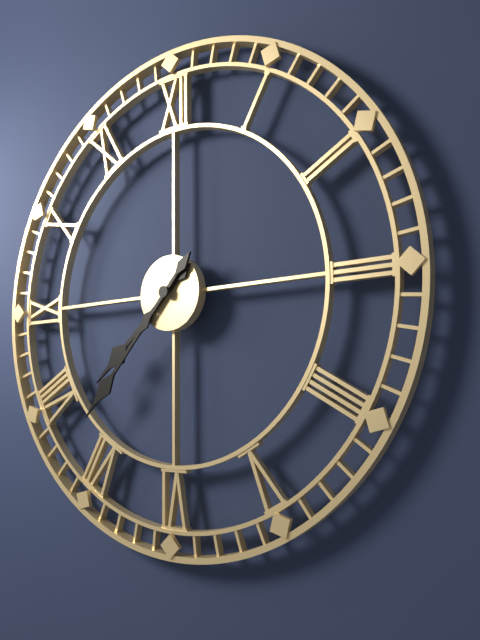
7,37
